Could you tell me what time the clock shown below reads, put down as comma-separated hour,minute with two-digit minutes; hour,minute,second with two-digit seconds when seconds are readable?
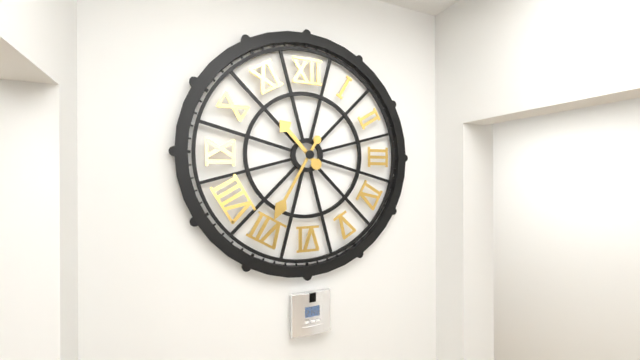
10,35
